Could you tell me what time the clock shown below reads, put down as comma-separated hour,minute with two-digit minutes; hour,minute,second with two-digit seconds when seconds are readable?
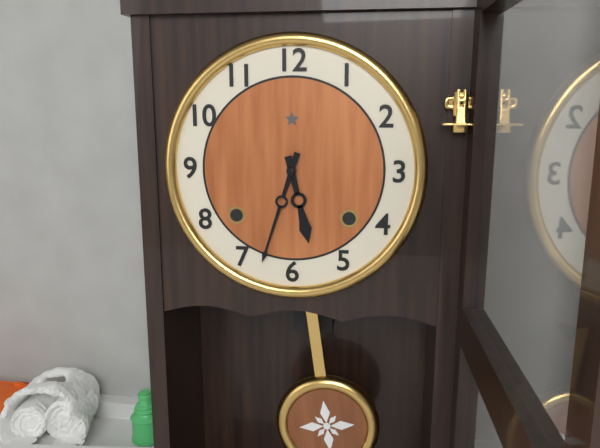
5,33
